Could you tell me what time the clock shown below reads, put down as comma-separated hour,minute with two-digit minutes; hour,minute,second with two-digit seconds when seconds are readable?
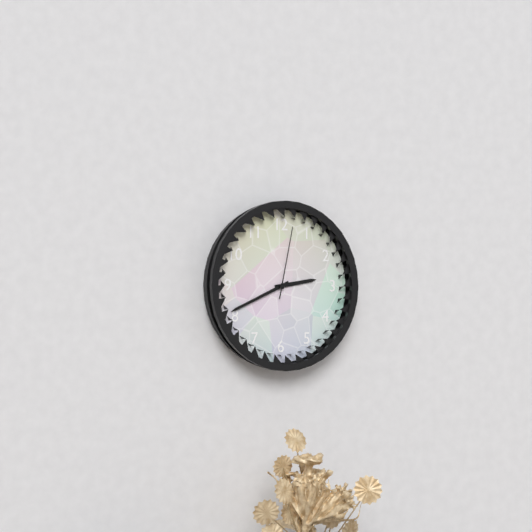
2,41,02
